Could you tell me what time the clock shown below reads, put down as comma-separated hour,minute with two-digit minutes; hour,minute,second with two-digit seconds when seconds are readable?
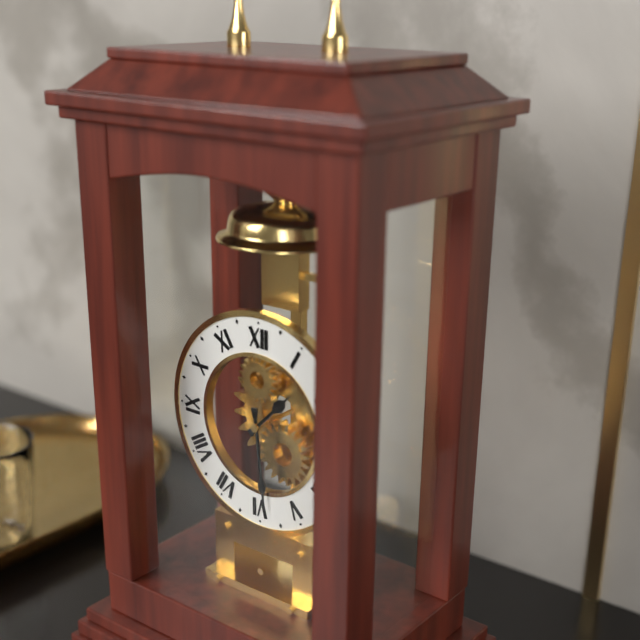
1,29
